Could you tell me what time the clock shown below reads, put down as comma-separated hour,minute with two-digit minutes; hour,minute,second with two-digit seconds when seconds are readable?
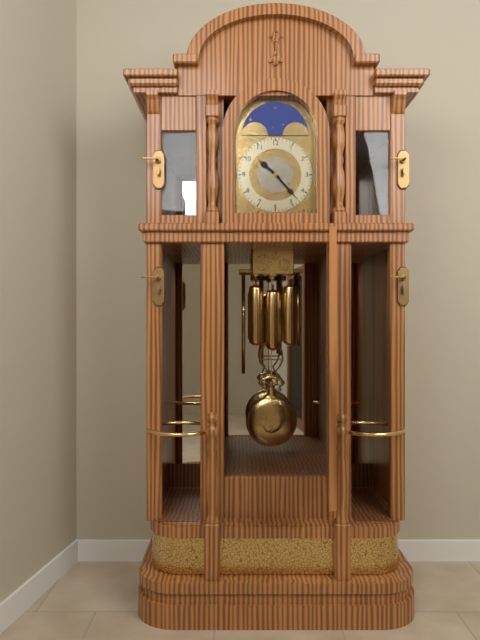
10,23
